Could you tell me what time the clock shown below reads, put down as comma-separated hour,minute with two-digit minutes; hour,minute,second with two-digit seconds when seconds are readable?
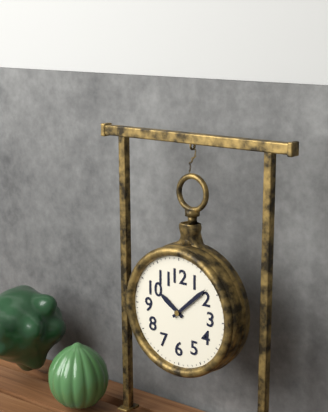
10,08
